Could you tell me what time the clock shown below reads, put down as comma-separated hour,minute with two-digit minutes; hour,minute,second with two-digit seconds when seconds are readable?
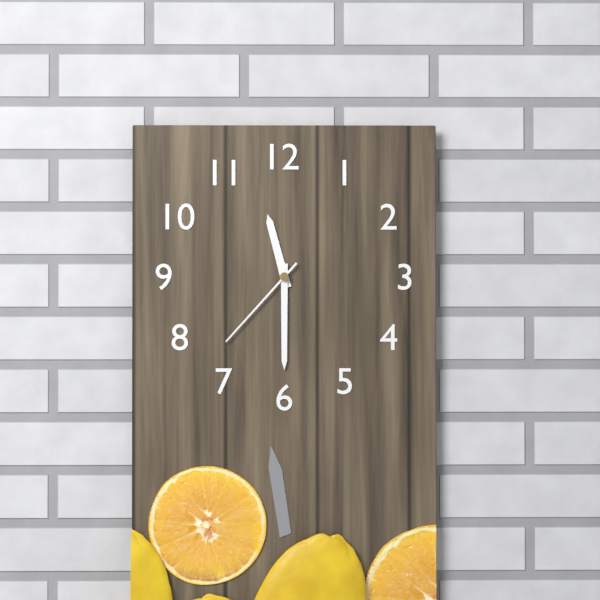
11,30,37
